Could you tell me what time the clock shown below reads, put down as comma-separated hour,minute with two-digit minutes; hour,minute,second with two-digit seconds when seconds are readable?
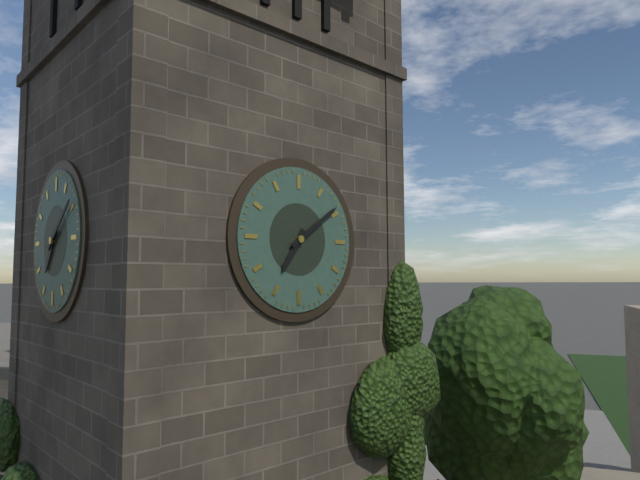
7,09
